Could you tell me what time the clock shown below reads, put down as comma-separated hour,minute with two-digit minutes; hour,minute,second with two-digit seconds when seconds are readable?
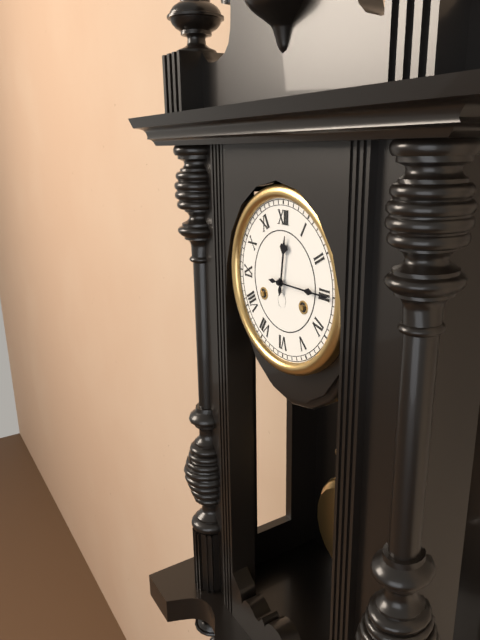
12,15
